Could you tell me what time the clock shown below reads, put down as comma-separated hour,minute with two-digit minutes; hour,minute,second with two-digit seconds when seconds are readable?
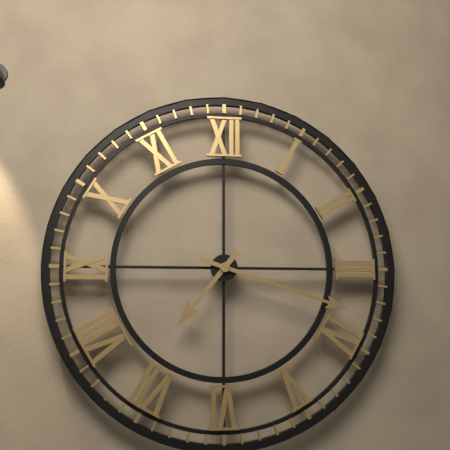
7,18
